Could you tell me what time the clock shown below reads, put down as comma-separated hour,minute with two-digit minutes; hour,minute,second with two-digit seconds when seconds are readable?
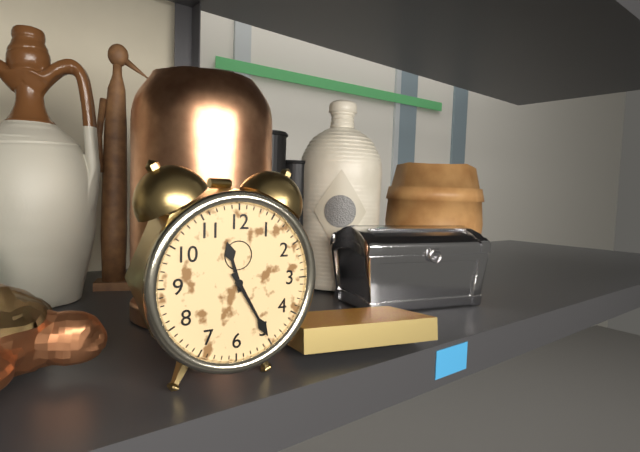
11,25
